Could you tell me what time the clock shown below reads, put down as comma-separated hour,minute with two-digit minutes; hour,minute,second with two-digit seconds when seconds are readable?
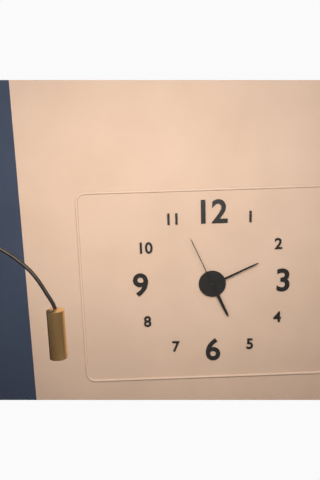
5,11,56
